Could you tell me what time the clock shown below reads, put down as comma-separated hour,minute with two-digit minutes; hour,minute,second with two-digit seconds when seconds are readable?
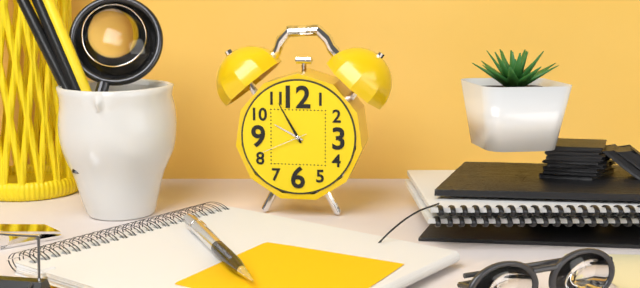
9,55,41
